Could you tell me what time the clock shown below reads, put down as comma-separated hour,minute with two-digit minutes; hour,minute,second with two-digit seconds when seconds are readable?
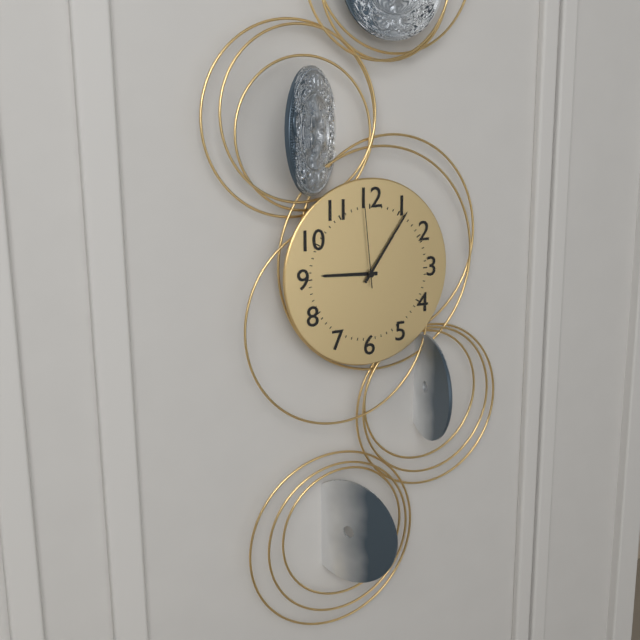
9,06,59
